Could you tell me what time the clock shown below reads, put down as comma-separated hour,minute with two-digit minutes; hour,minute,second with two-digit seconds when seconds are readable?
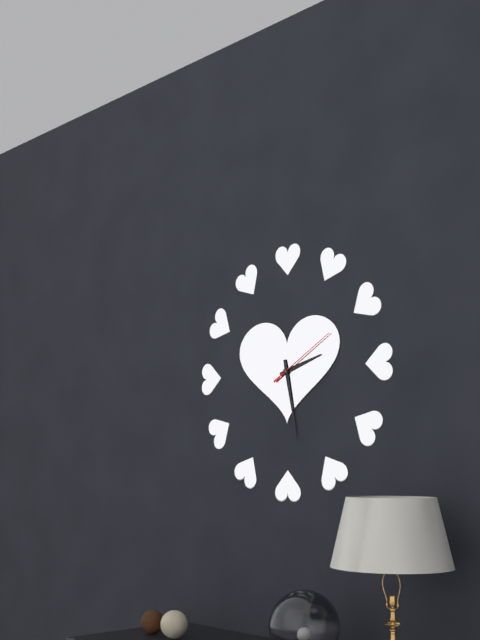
2,28,10
